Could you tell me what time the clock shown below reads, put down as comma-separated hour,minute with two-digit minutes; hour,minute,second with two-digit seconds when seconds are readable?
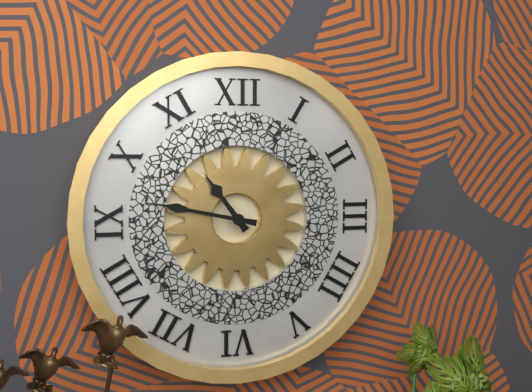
10,47
